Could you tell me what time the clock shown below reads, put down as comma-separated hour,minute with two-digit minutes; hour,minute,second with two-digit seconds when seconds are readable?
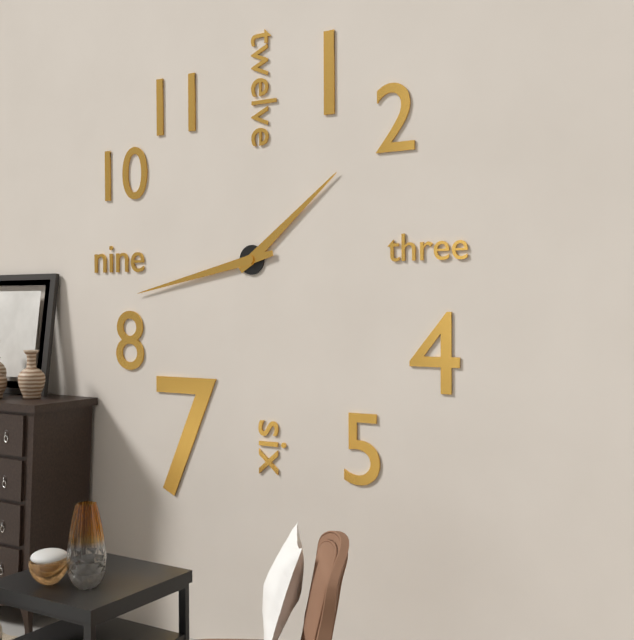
1,43
